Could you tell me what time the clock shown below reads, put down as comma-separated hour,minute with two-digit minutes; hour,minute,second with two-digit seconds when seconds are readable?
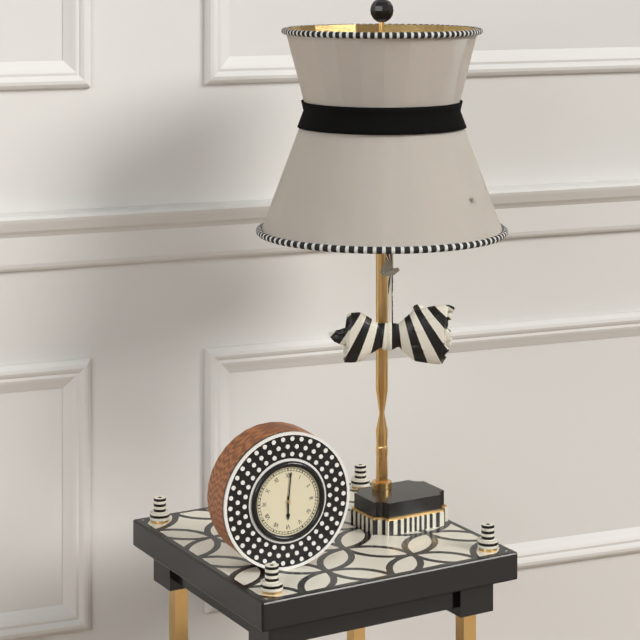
6,01
